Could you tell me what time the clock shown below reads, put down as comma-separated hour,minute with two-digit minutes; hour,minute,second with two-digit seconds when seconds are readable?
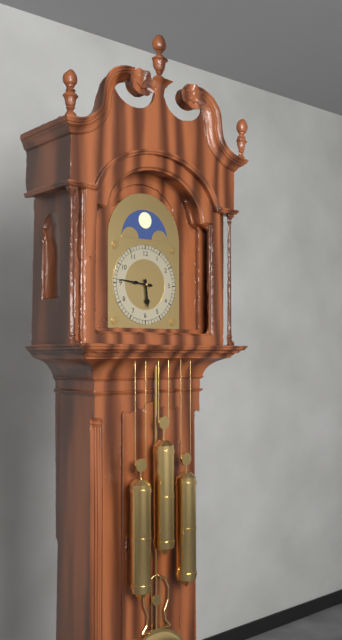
5,46
